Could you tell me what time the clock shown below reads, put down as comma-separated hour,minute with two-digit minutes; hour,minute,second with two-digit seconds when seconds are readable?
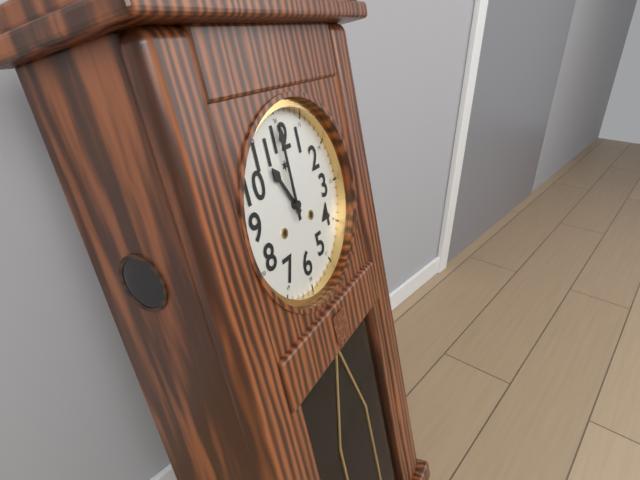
11,00
